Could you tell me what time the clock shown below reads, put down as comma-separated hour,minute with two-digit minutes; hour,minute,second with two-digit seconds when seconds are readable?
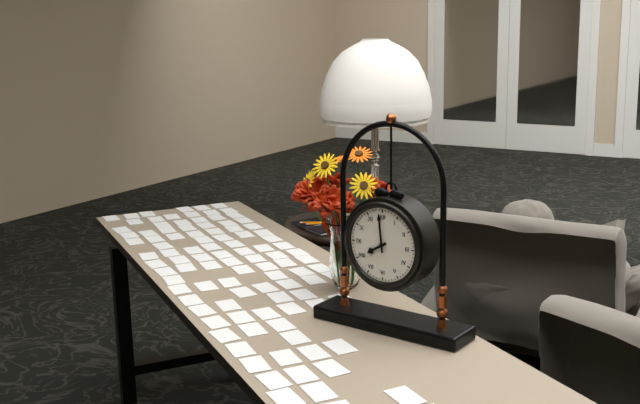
7,59
